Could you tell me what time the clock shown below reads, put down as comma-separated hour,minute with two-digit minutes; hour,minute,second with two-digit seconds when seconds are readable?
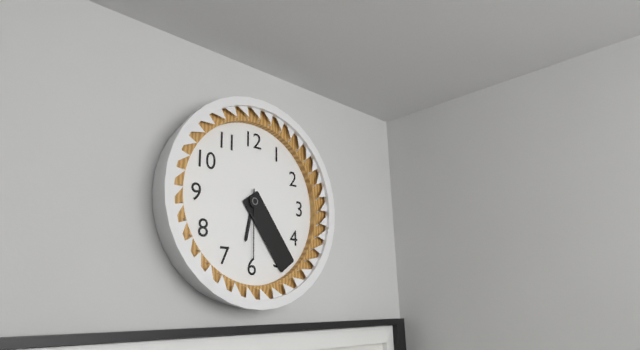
6,24,30
